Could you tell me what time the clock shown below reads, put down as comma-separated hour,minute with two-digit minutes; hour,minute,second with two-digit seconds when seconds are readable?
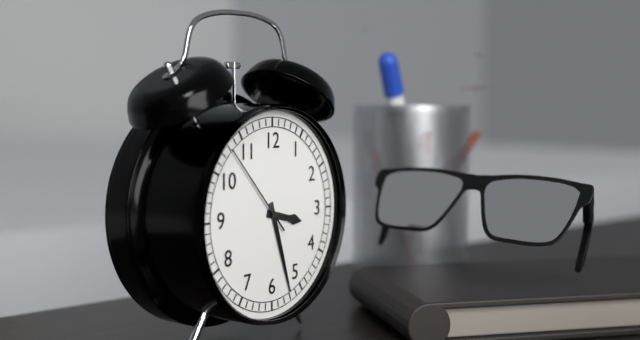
3,27,53
